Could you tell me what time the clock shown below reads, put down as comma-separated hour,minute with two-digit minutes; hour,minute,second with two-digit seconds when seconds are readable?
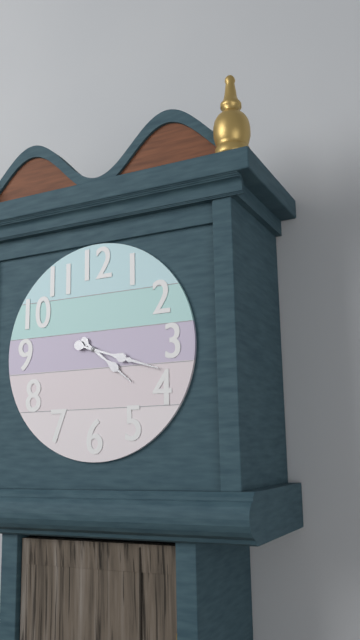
4,18
